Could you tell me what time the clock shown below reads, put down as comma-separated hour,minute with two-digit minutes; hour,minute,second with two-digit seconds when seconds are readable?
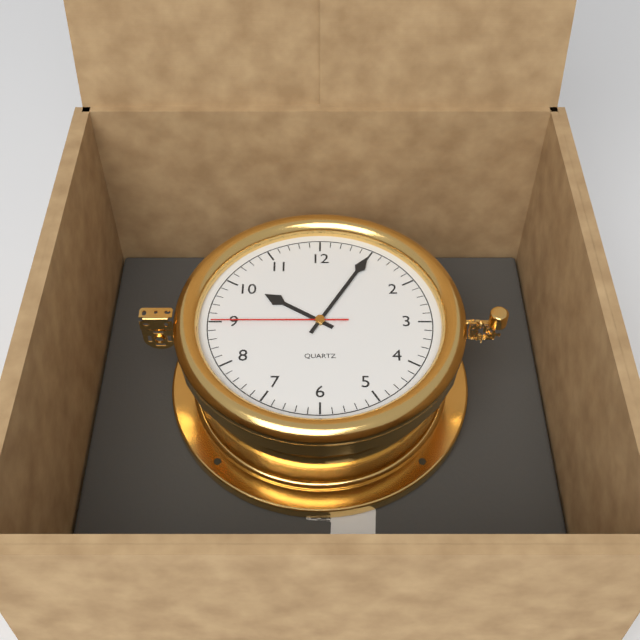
10,05,45
